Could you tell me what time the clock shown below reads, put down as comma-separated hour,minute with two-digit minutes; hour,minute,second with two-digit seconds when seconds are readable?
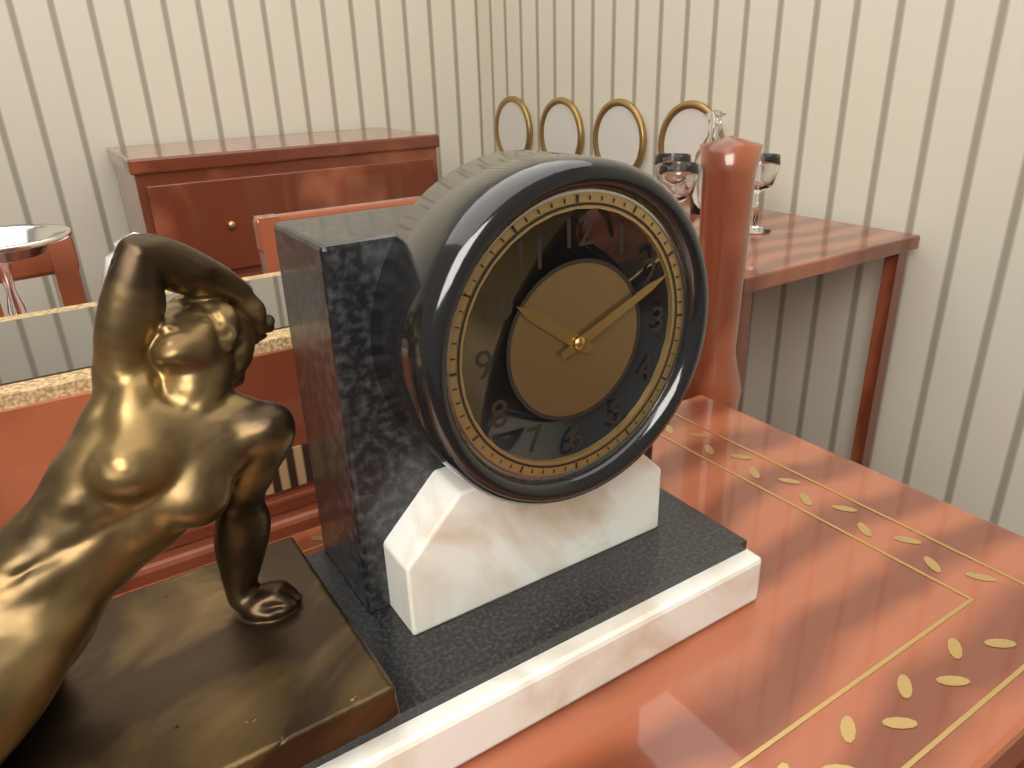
10,11
